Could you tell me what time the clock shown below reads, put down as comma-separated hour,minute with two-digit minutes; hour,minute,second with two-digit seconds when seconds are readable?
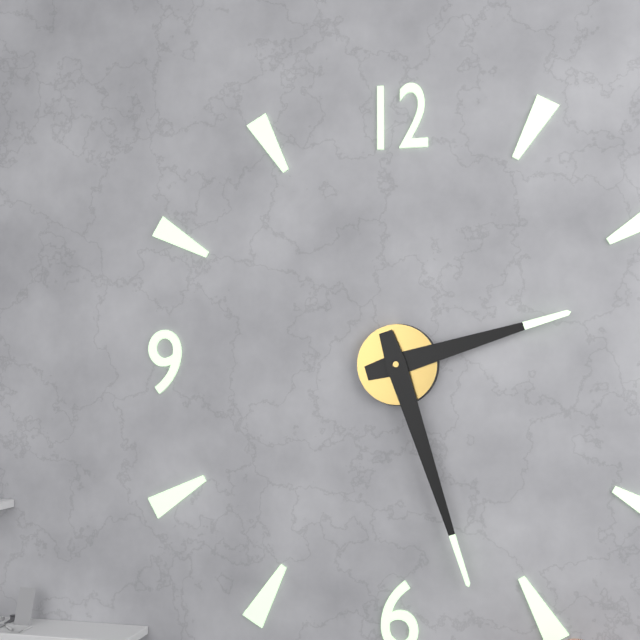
2,27
